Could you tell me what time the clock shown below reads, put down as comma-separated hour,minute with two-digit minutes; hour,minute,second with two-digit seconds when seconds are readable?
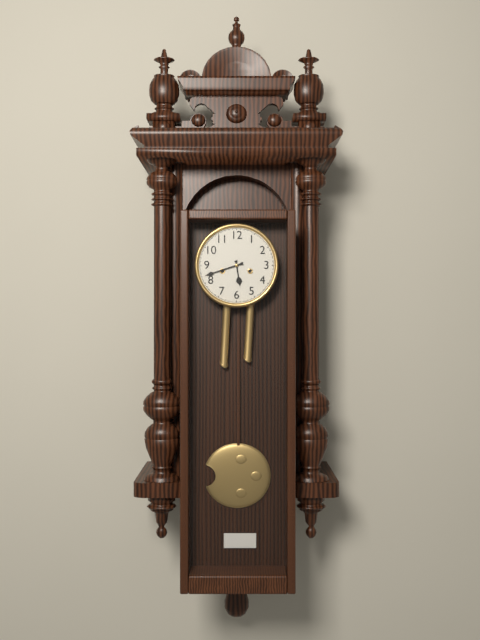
5,42
